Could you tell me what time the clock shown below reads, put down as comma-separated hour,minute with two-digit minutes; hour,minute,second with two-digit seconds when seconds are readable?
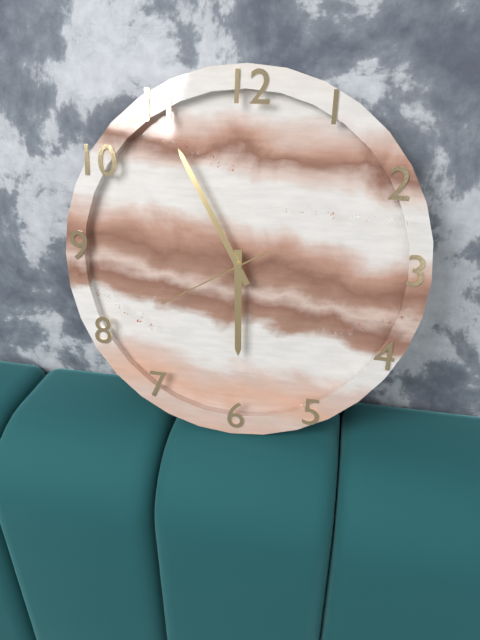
5,55,40
